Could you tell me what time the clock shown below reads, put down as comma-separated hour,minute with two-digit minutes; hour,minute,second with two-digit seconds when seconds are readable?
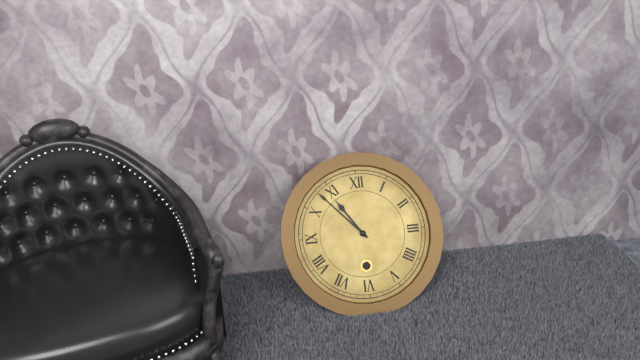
10,53
